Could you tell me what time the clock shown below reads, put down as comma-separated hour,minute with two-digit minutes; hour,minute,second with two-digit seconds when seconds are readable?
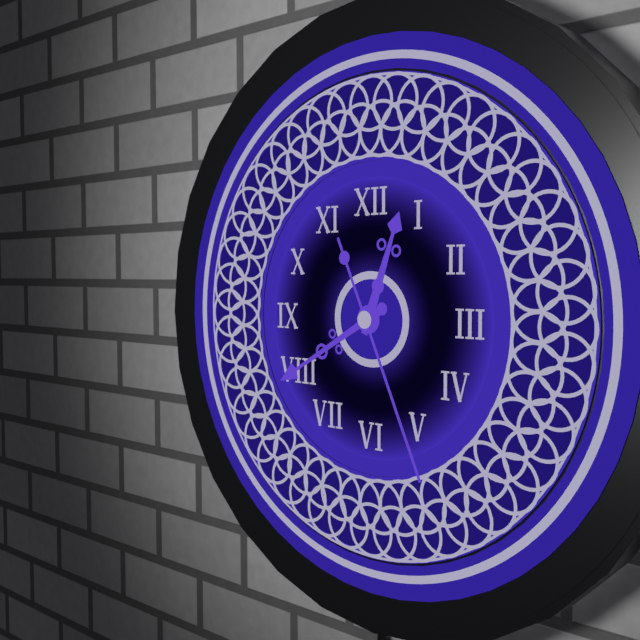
12,40,26
